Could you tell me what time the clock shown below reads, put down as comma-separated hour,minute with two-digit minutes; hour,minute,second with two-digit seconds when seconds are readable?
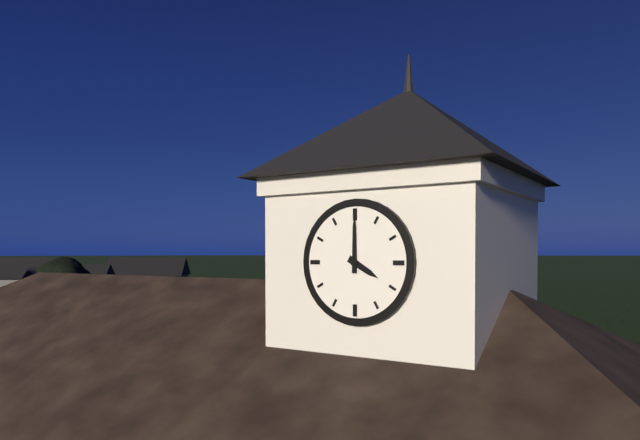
4,00
